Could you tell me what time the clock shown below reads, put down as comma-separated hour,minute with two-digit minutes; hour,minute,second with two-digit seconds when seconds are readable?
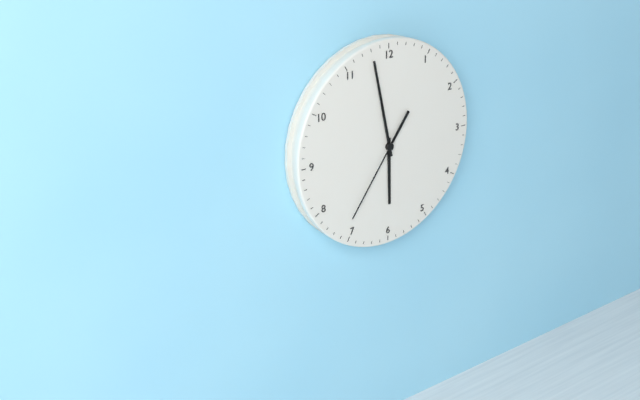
5,58,36
